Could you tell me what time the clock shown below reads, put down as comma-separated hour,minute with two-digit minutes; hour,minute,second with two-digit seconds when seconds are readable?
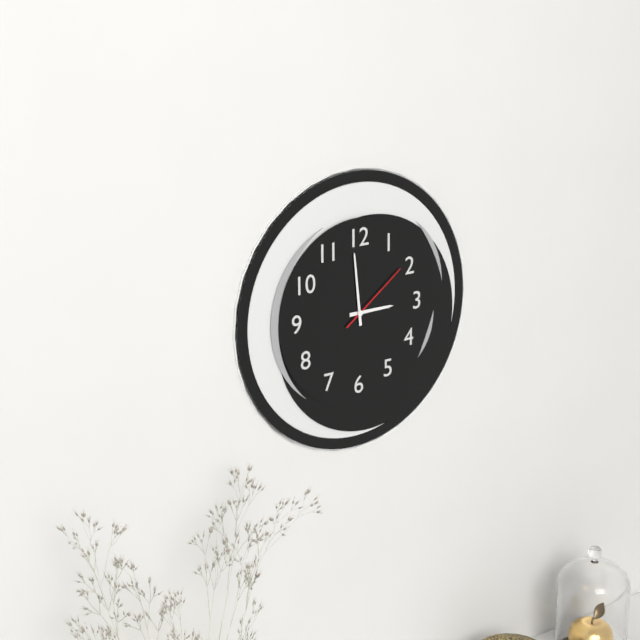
2,59,09
